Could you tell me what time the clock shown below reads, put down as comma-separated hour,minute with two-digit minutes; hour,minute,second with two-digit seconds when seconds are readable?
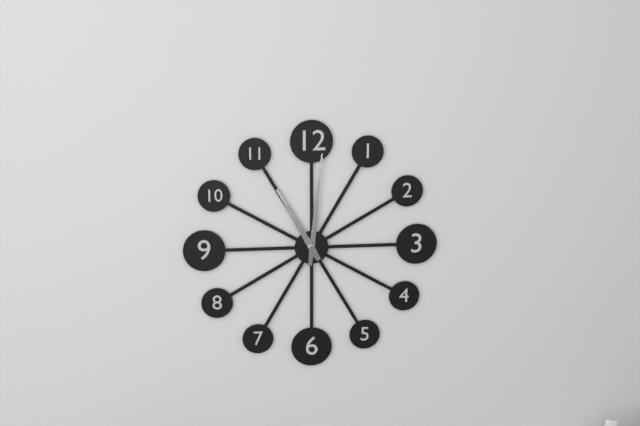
11,01
